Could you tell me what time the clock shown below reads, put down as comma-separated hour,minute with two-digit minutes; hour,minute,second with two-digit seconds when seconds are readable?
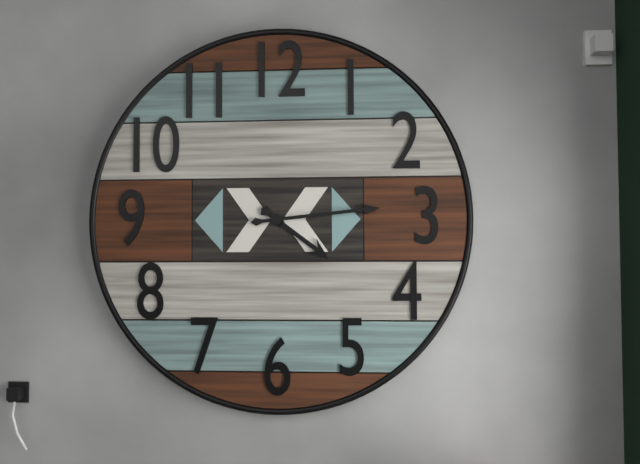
4,14
